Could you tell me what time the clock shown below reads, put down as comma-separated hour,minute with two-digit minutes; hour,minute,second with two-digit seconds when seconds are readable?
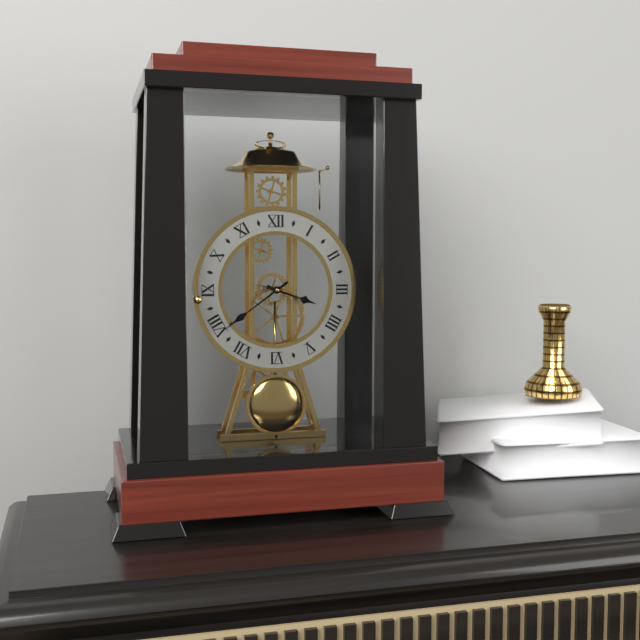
3,39
